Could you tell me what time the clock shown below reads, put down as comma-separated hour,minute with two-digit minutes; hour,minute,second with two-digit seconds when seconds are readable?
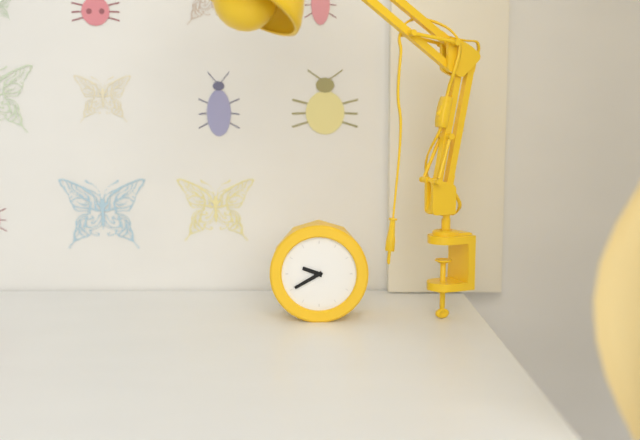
9,40
